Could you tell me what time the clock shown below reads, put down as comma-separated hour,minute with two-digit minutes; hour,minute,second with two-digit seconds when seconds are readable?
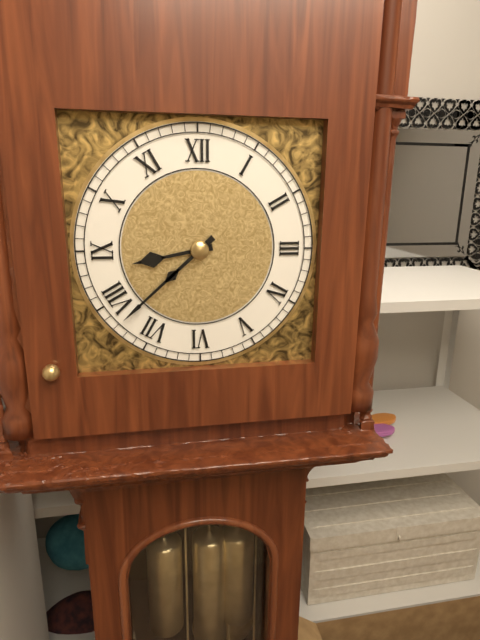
8,38
